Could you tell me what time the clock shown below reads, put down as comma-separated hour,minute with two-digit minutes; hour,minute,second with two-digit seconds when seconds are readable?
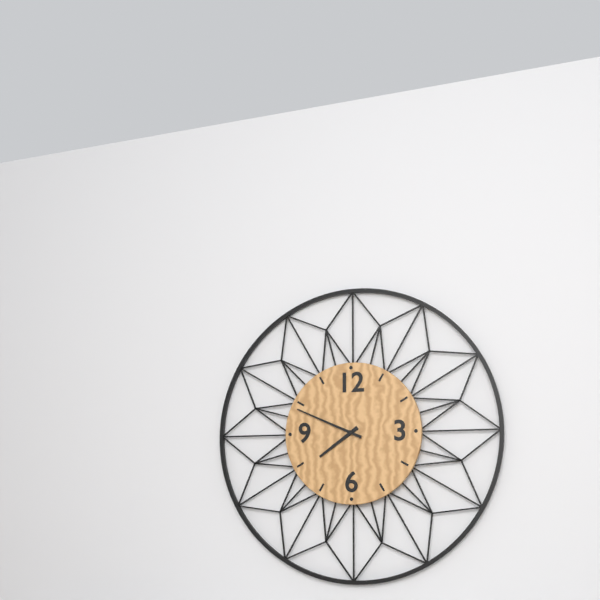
7,49
